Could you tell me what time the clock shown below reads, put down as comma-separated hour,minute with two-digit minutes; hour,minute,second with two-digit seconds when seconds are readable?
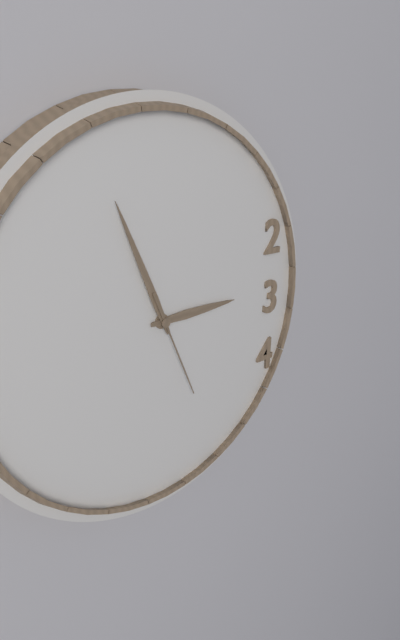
2,56,26
